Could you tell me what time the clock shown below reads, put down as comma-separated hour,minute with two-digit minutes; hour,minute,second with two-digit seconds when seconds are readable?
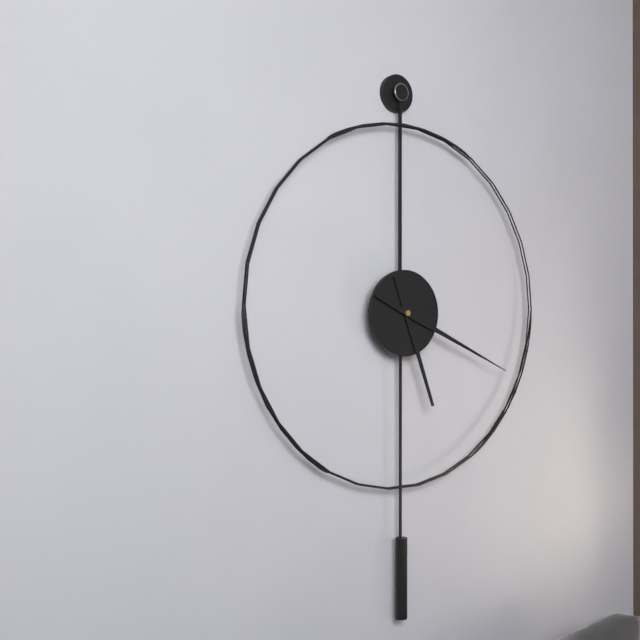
5,19
